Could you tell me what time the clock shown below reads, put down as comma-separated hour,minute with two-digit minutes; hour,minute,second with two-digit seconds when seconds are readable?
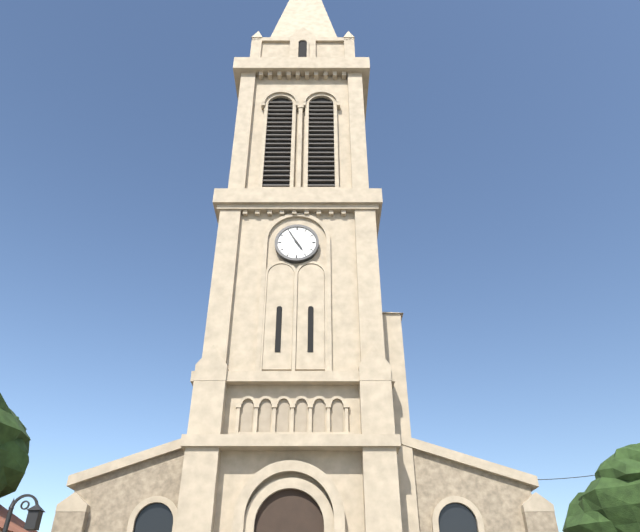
4,55
